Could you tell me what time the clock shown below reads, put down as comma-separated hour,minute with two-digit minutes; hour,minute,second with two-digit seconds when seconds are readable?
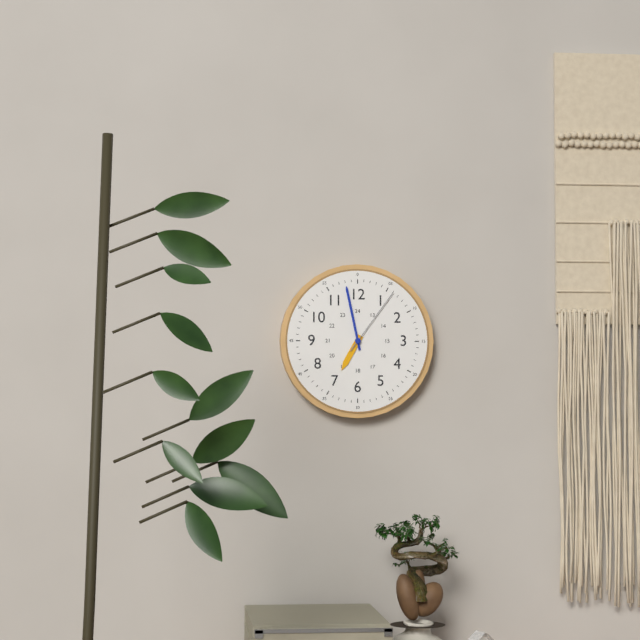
6,58,06
